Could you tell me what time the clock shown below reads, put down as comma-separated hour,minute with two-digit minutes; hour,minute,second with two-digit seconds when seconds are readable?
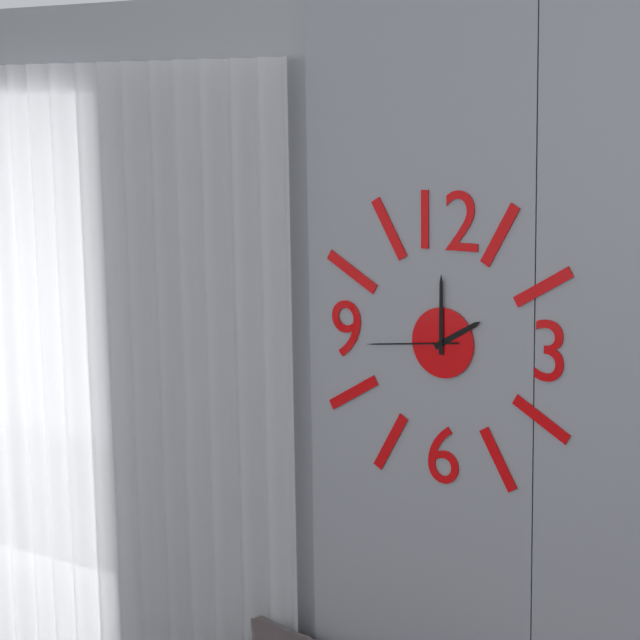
2,00,44
